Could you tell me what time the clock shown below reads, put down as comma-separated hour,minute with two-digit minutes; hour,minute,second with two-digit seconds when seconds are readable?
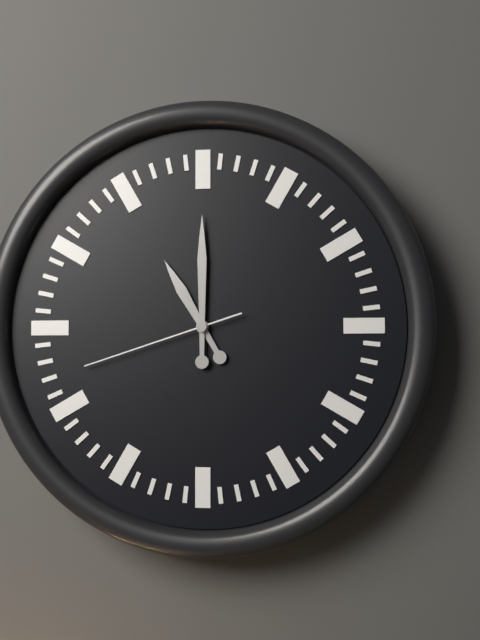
11,00,42
